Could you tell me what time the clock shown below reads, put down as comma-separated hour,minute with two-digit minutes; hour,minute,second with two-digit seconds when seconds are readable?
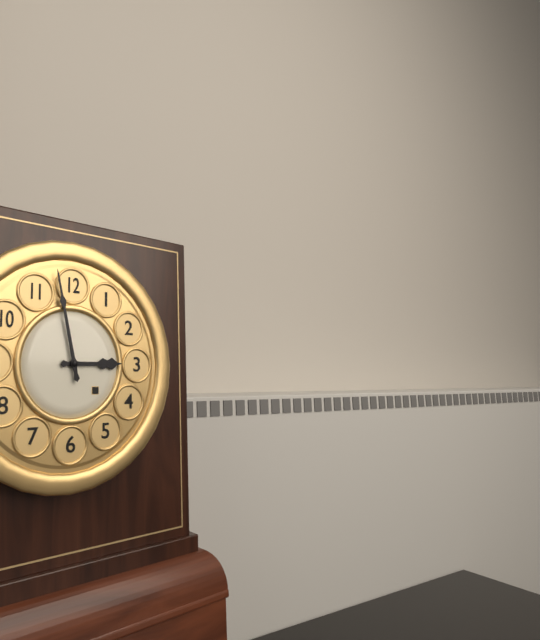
2,58
